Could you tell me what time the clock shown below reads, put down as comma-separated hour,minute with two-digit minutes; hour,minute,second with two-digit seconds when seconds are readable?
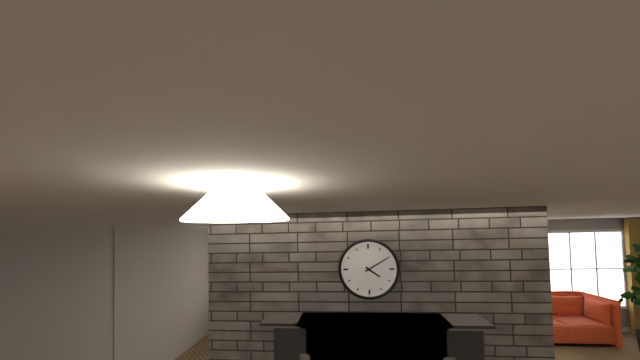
4,10
